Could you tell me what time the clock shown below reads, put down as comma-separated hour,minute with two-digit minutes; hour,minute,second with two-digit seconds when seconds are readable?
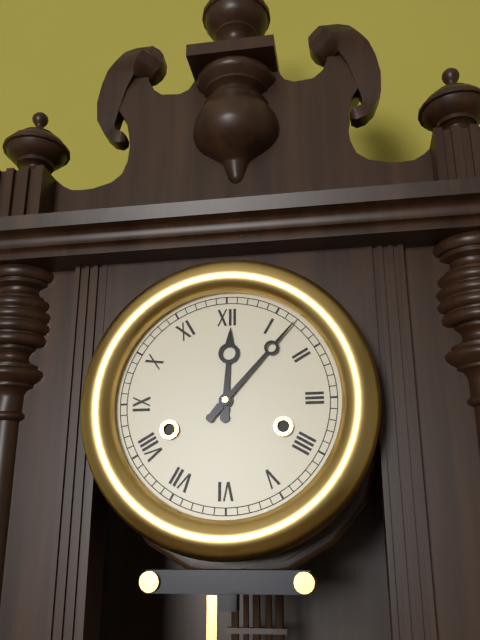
12,07
